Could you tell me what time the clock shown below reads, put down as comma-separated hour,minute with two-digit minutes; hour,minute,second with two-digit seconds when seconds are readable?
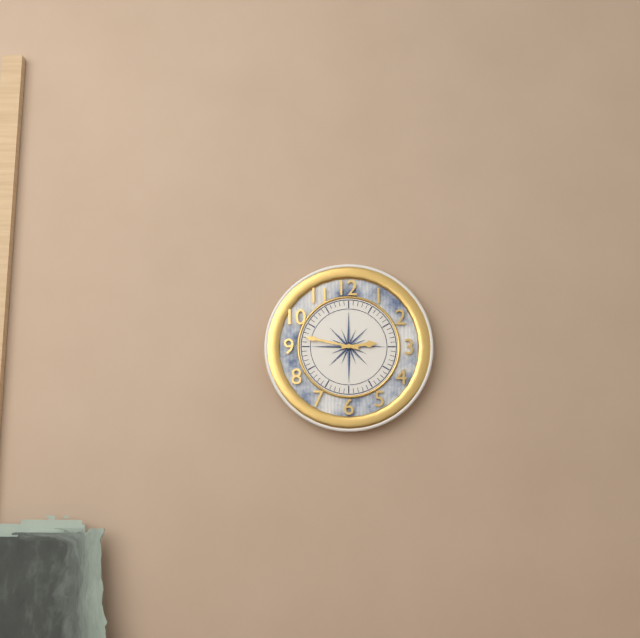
2,47
